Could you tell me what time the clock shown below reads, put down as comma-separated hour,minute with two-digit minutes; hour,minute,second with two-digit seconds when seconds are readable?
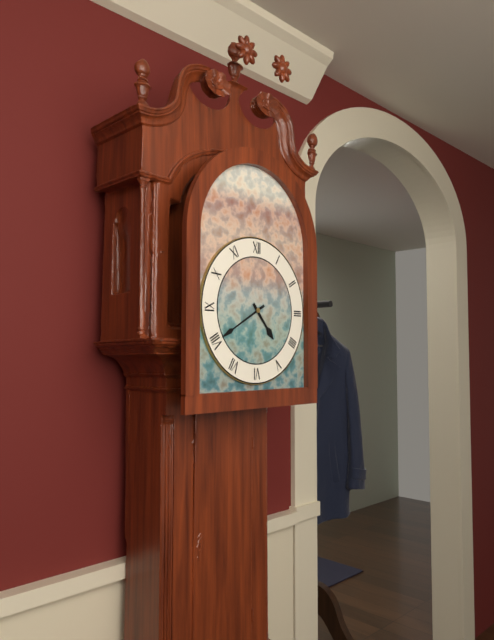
4,40
